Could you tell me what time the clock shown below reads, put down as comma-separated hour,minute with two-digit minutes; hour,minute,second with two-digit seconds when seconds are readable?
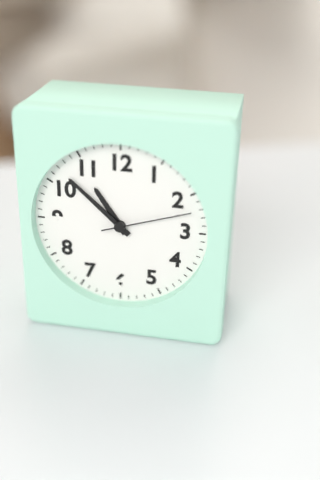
10,52,12
